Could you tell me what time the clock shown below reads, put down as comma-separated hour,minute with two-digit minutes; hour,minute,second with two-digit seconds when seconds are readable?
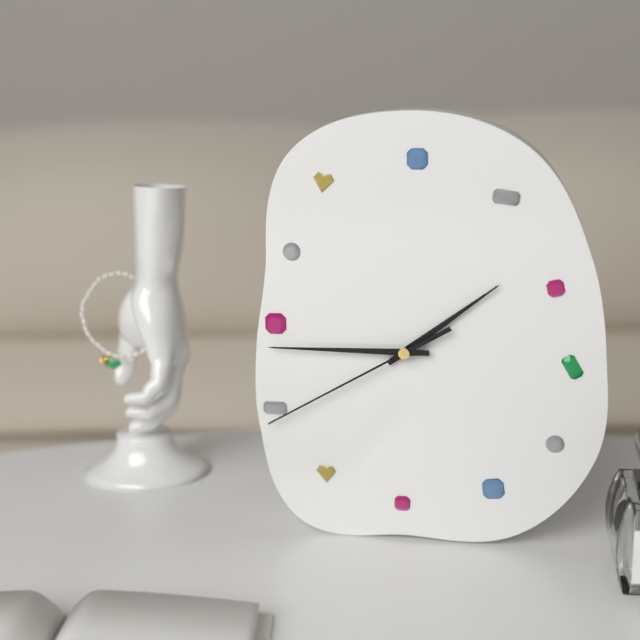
1,45,40
